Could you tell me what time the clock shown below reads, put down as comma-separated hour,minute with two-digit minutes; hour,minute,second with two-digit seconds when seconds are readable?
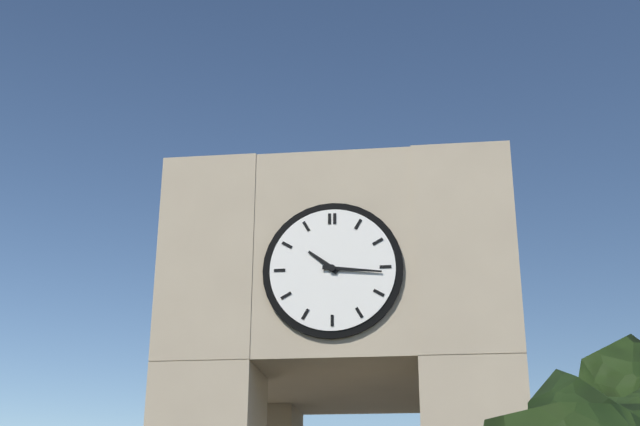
10,16
